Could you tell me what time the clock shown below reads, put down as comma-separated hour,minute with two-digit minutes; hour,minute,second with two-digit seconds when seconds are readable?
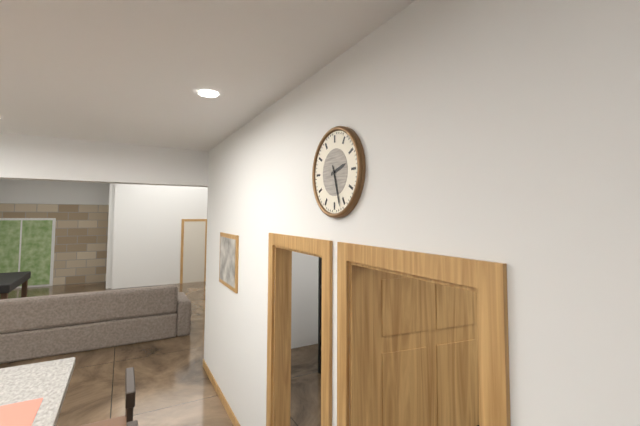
2,27
